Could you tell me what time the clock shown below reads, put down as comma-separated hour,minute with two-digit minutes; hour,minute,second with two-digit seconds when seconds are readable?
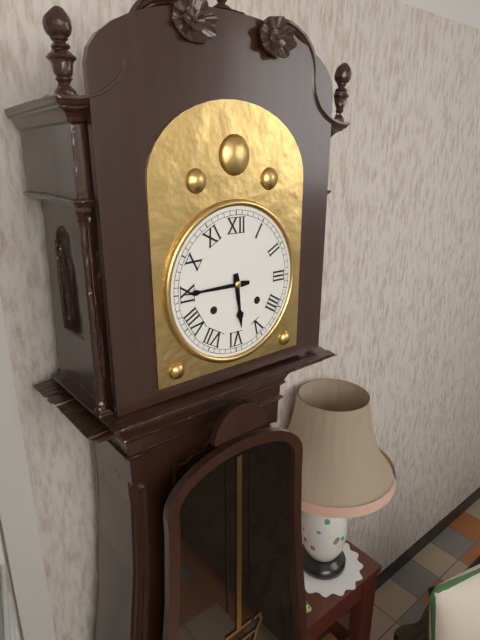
5,45
